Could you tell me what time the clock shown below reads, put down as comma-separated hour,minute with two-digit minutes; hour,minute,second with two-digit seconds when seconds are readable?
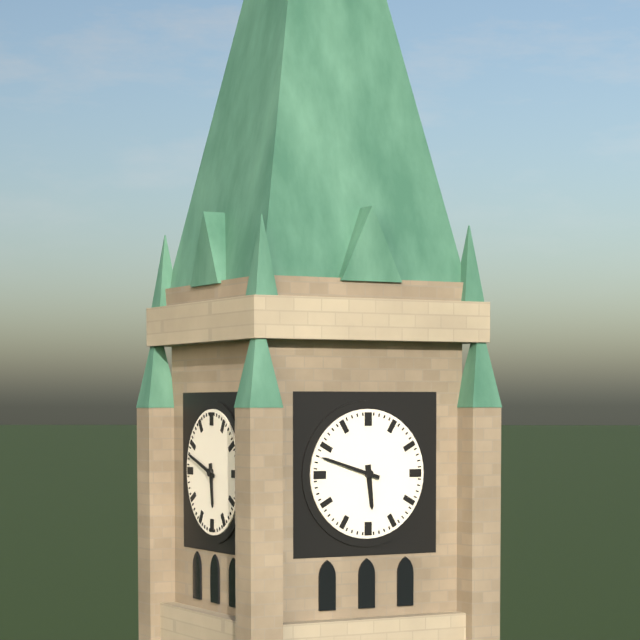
5,48
